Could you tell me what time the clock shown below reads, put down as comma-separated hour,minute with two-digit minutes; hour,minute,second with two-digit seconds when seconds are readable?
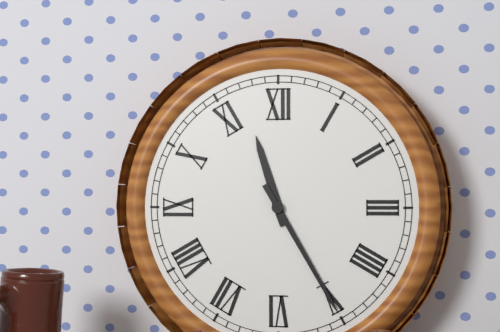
11,25
